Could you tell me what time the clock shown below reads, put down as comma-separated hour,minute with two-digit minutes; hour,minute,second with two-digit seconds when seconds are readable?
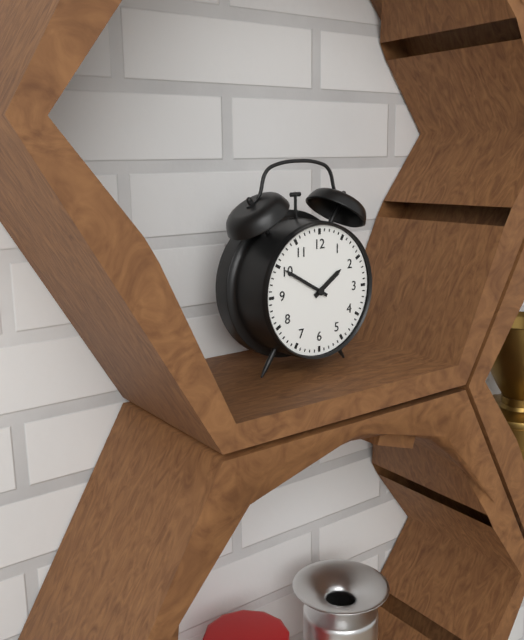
1,50
